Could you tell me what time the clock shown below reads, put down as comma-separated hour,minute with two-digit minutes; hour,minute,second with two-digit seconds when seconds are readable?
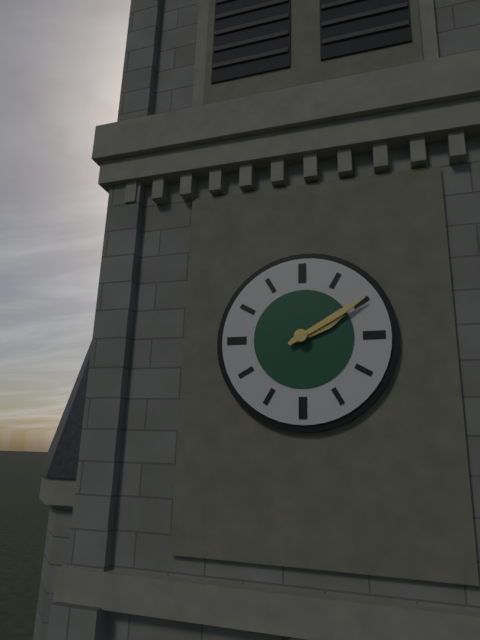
2,10
